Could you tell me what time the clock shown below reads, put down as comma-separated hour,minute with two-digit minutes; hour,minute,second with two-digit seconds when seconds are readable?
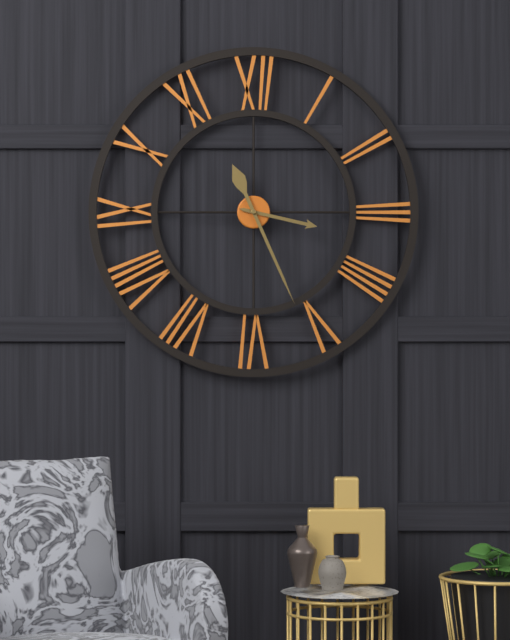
3,26
